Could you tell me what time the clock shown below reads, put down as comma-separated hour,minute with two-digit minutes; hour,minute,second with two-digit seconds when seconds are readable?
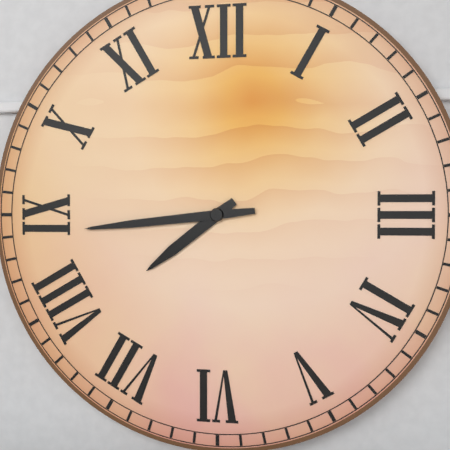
7,44
